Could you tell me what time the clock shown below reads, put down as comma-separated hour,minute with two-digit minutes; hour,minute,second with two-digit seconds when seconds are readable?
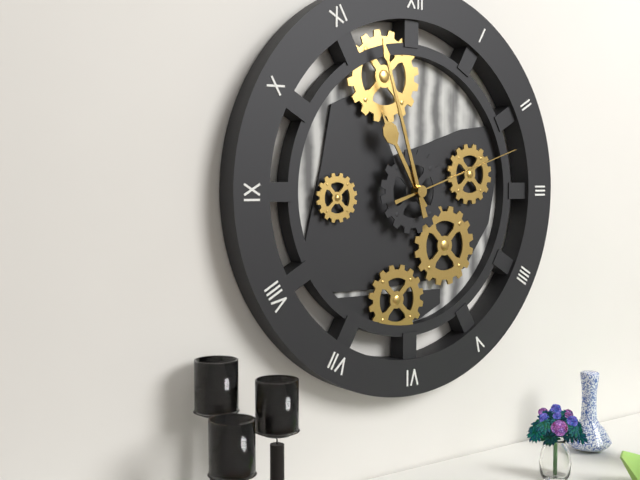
10,57,12
